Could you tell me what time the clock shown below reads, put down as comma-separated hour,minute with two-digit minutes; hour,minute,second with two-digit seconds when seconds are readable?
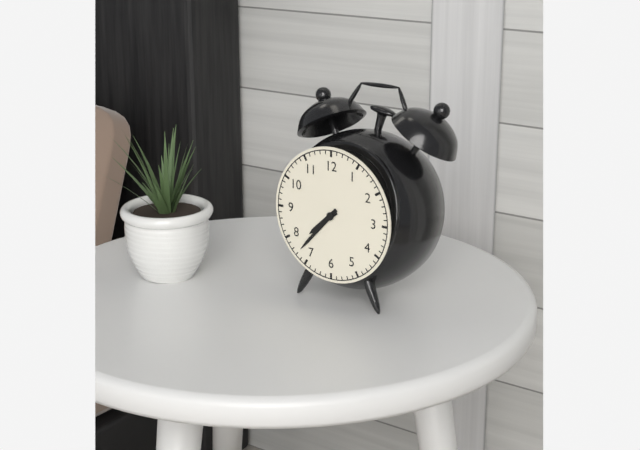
7,37
